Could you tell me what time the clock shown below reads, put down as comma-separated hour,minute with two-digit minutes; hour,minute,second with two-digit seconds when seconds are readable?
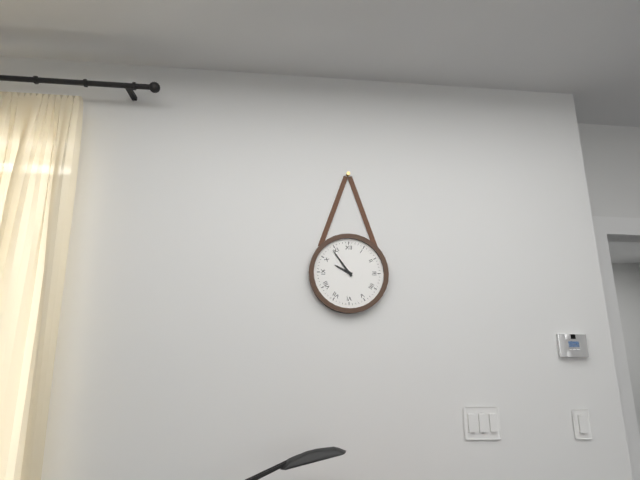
9,54
